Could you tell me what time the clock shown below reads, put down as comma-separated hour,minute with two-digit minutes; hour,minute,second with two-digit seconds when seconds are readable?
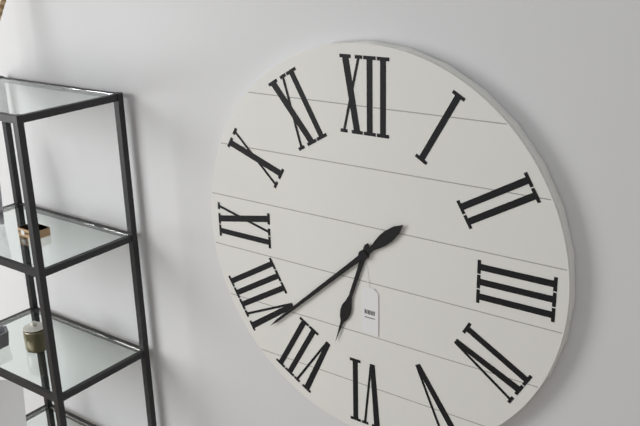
6,38
